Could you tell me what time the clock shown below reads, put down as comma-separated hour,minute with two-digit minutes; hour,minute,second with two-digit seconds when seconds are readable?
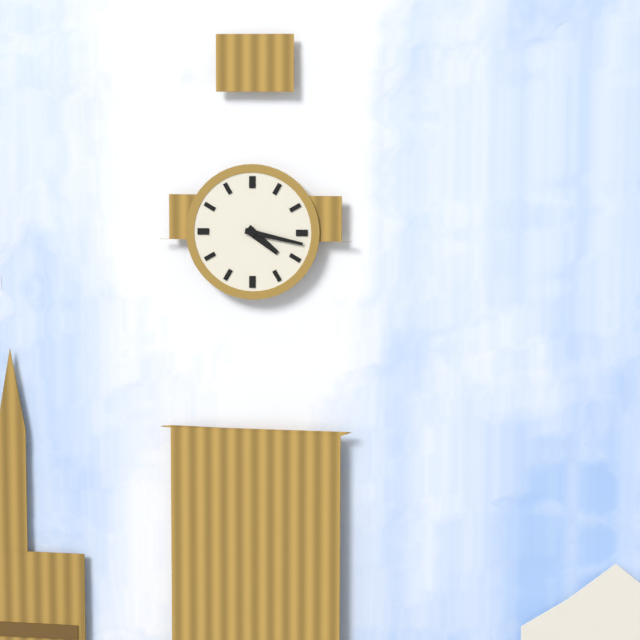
4,17
